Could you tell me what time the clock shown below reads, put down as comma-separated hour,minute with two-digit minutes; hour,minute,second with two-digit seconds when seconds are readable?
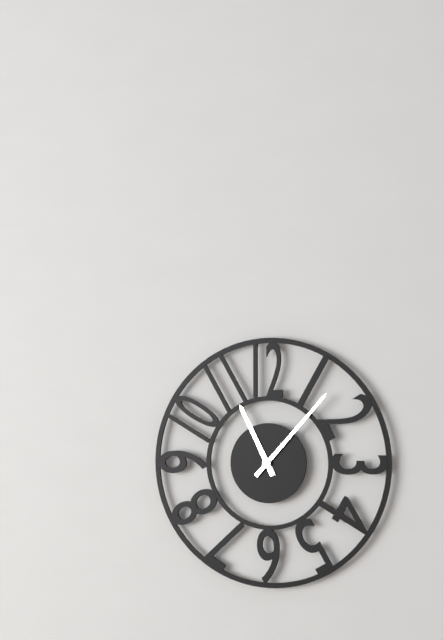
11,07
